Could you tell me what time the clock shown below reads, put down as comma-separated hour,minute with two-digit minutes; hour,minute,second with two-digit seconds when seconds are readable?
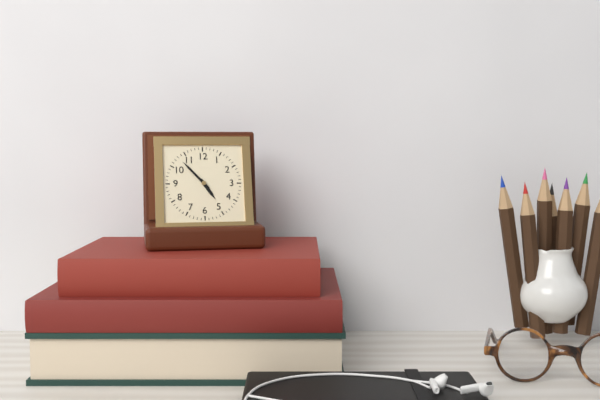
4,53
